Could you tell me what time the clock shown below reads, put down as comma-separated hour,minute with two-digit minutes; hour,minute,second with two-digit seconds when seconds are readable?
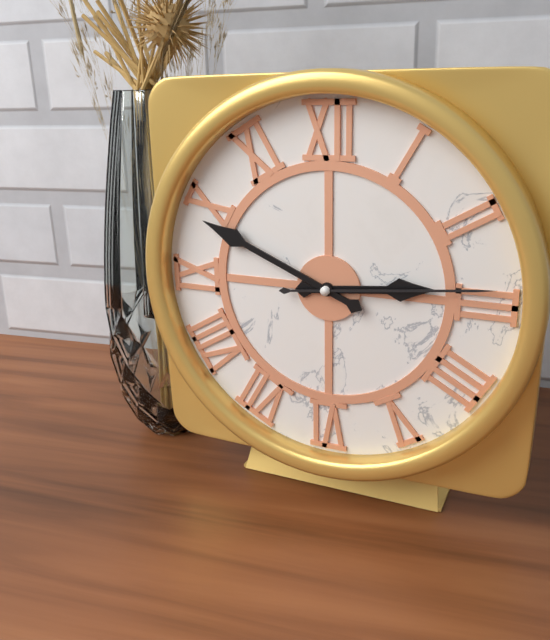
2,49,14
